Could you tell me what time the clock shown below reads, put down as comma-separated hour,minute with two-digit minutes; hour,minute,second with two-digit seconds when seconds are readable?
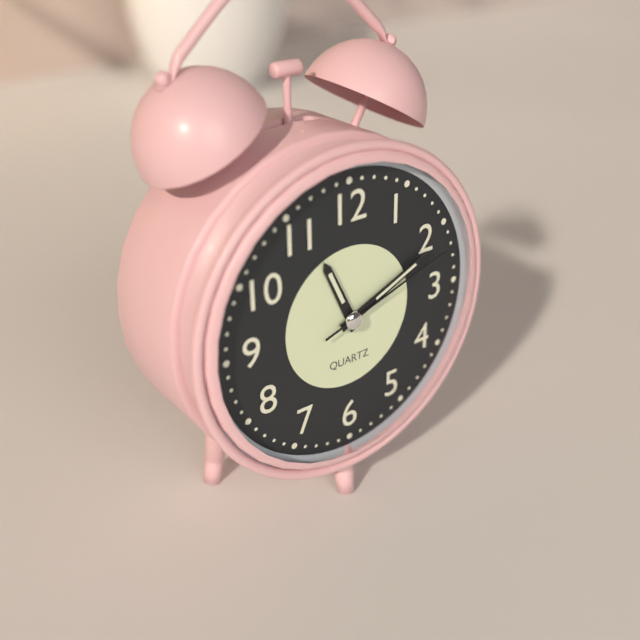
11,11,12
